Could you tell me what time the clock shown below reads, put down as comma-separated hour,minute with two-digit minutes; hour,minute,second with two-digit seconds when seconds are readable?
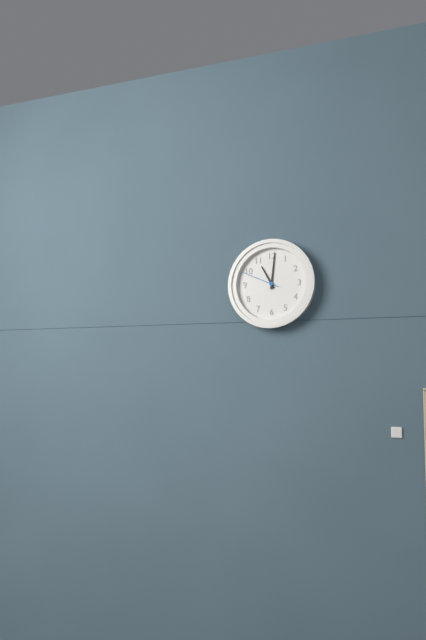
11,01
